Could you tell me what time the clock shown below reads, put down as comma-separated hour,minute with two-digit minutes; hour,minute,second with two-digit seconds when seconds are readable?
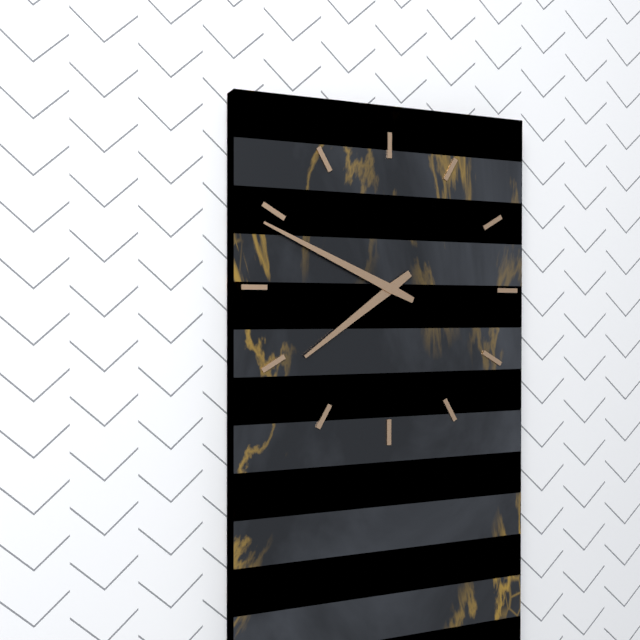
7,49
